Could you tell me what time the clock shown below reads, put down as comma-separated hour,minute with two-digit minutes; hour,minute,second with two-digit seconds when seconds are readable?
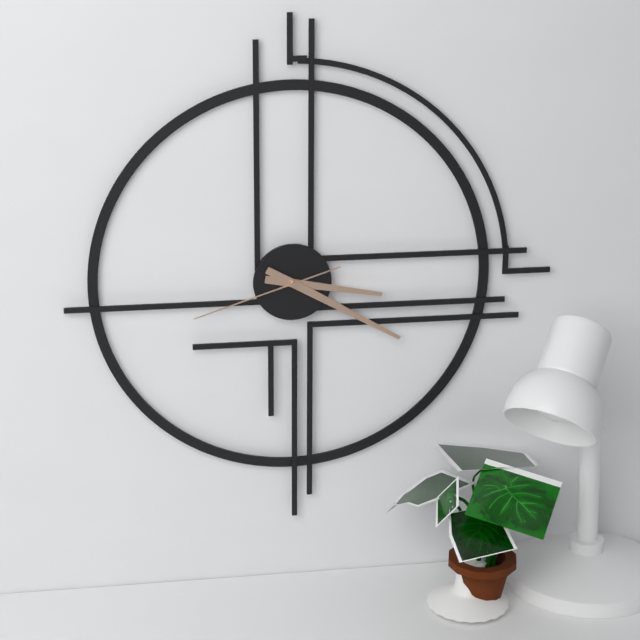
3,20,42
